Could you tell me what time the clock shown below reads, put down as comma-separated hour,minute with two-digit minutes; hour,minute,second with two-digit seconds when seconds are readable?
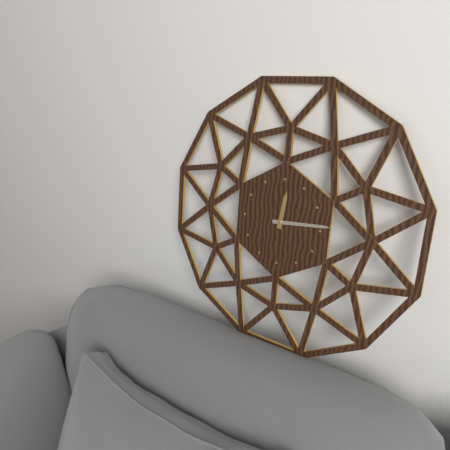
12,14
